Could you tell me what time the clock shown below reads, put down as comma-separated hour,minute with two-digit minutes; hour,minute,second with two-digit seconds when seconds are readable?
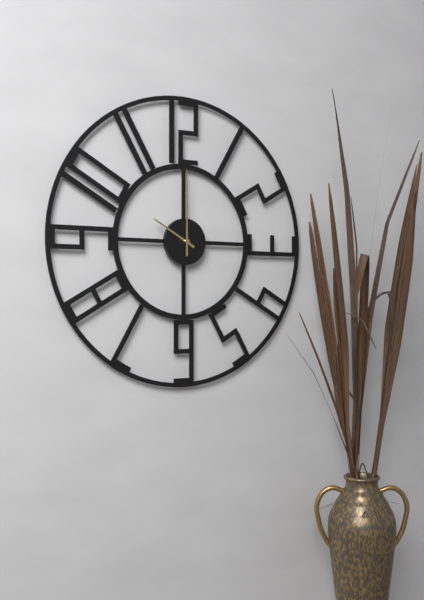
10,00
